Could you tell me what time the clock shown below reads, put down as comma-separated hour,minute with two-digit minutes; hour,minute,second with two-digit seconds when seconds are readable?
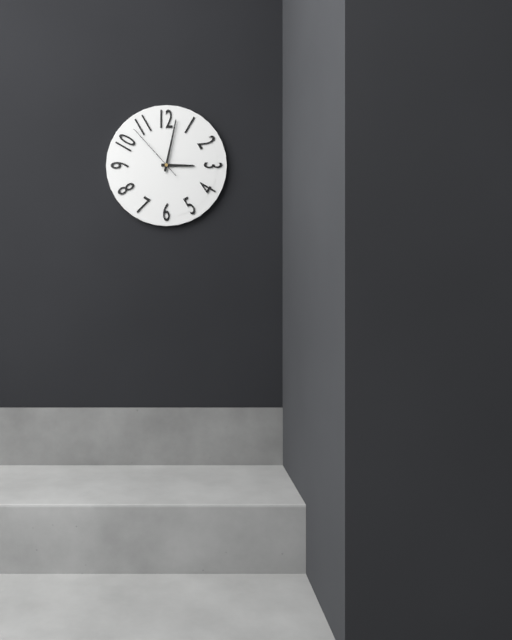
3,02,53
